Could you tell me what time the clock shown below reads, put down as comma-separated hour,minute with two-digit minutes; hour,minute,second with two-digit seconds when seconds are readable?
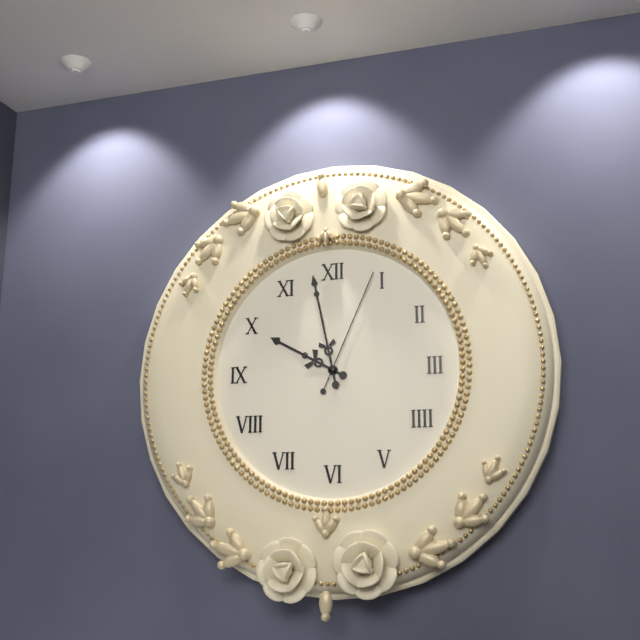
9,58,04
